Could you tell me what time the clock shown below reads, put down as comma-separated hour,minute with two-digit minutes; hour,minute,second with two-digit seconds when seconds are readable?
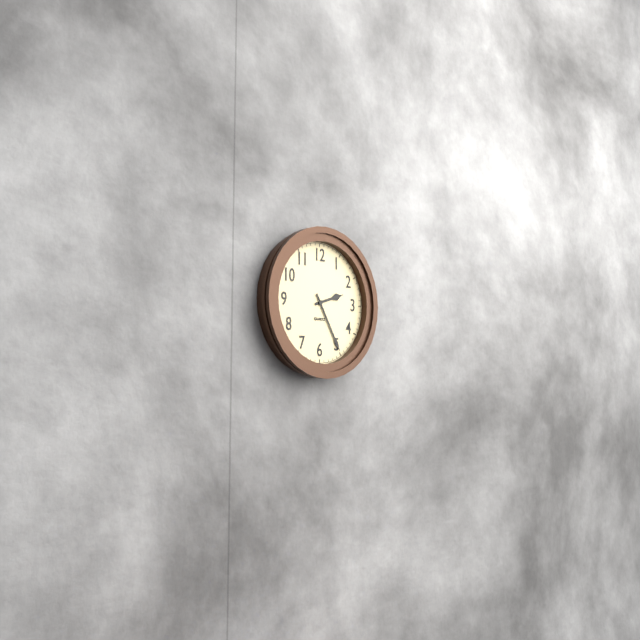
2,25
